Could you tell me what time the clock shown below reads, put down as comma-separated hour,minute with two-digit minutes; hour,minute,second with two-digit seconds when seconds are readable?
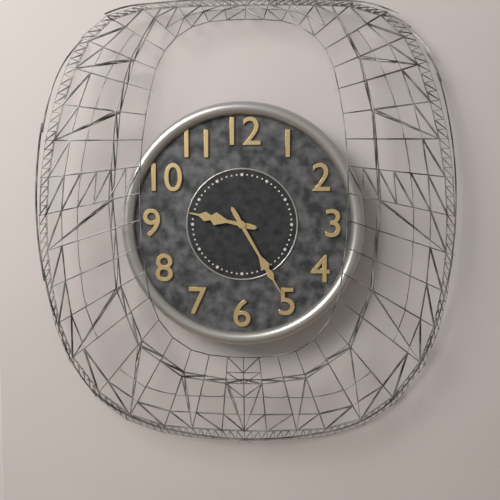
9,25
